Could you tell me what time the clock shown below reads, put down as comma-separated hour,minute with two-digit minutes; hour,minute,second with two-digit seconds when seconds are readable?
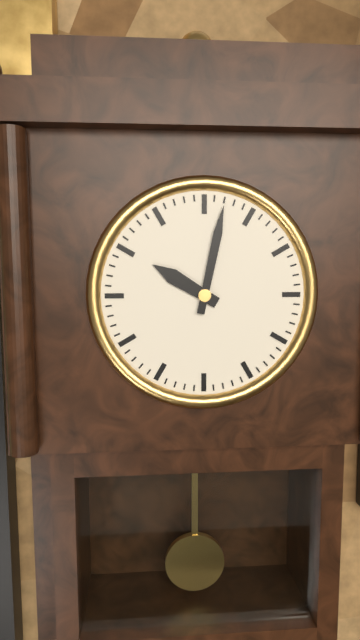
10,02
